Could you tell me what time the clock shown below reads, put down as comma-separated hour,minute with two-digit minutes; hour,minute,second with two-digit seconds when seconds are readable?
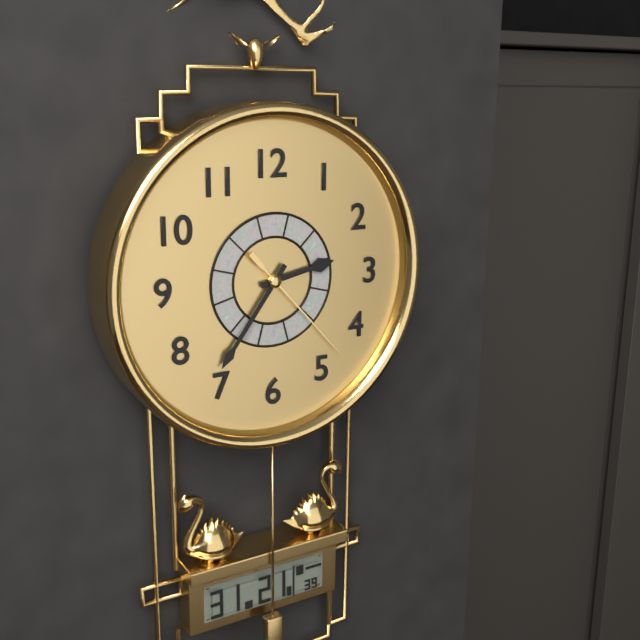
2,36,23
